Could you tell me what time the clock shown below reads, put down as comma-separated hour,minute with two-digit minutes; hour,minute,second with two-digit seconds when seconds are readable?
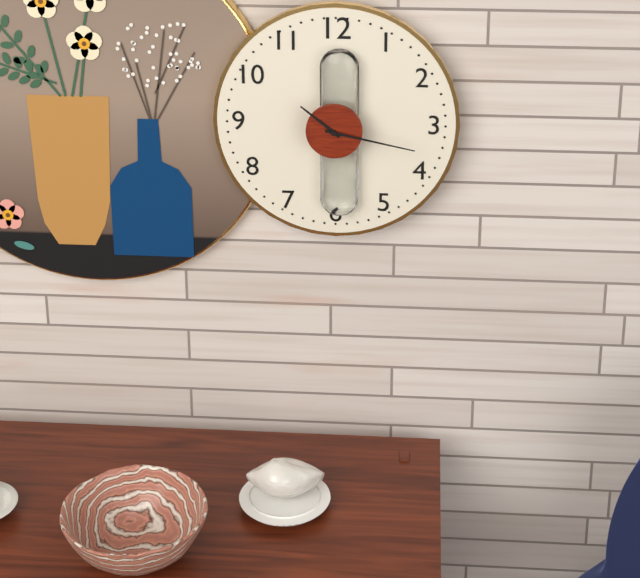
10,17
